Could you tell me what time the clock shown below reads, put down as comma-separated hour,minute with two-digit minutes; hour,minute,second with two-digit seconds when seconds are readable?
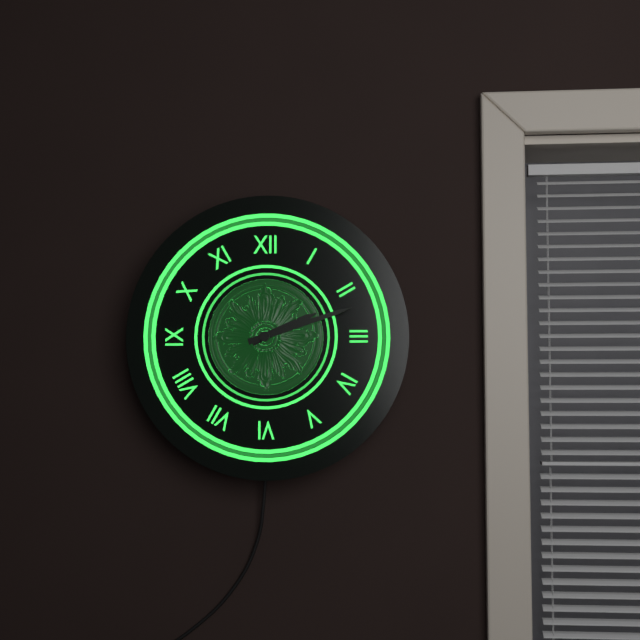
2,12
